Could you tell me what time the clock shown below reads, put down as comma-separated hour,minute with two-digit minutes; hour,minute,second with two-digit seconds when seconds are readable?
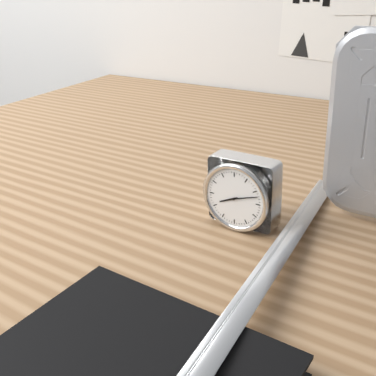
8,12
